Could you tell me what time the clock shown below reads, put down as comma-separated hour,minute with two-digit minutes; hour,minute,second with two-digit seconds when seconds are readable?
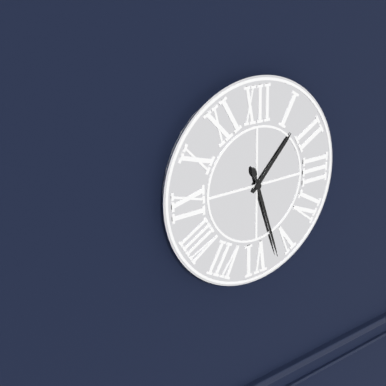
1,27
